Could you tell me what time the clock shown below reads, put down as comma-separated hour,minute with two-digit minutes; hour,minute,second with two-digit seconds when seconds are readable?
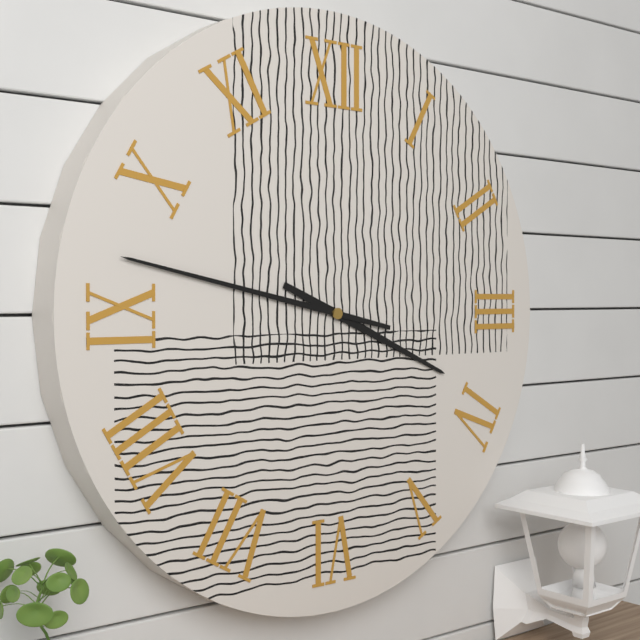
3,47
